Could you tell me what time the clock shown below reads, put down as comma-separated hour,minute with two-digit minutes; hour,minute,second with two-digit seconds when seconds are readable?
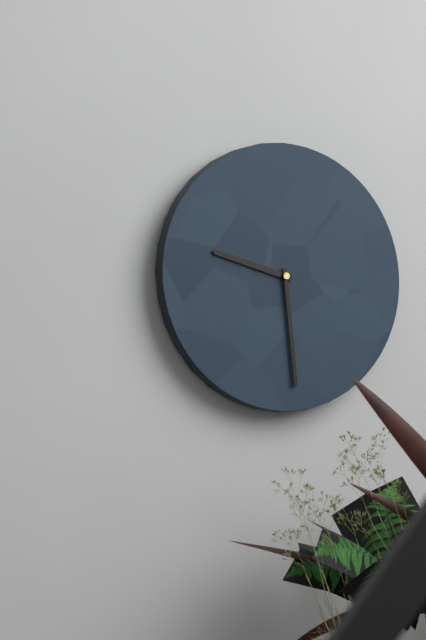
9,29
